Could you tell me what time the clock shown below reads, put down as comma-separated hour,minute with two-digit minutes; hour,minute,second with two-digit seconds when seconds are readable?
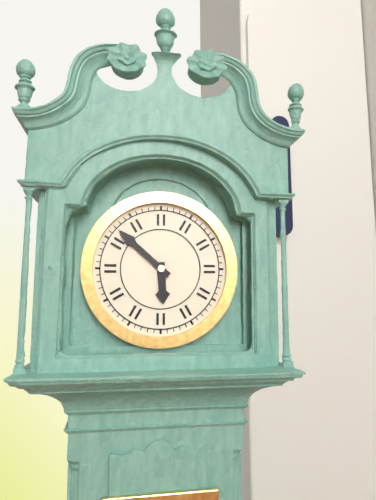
5,52
